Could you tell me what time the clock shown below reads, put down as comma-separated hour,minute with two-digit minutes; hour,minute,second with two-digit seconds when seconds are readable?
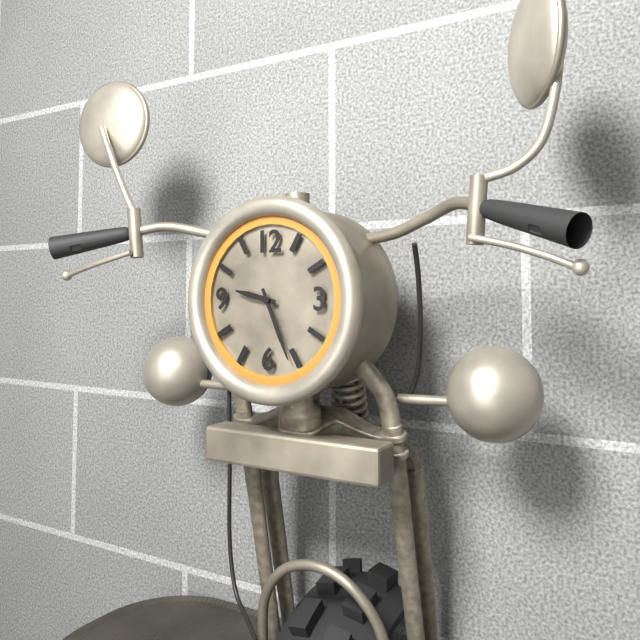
9,26
